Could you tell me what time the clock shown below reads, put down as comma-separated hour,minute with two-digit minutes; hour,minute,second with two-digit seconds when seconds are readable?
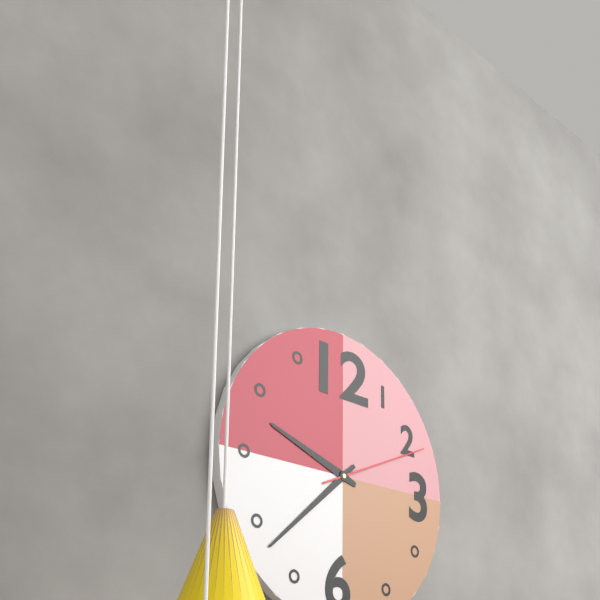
9,38,11
